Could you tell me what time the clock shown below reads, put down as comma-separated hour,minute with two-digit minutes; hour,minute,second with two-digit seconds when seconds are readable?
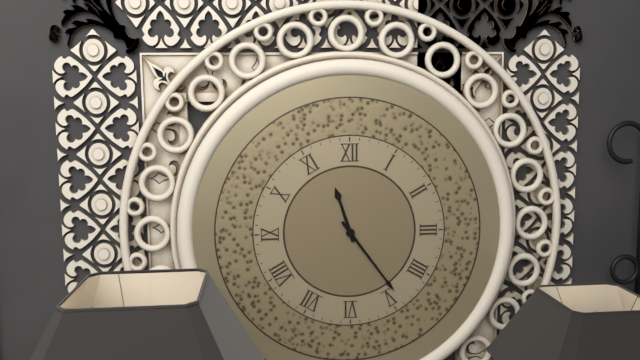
11,24
